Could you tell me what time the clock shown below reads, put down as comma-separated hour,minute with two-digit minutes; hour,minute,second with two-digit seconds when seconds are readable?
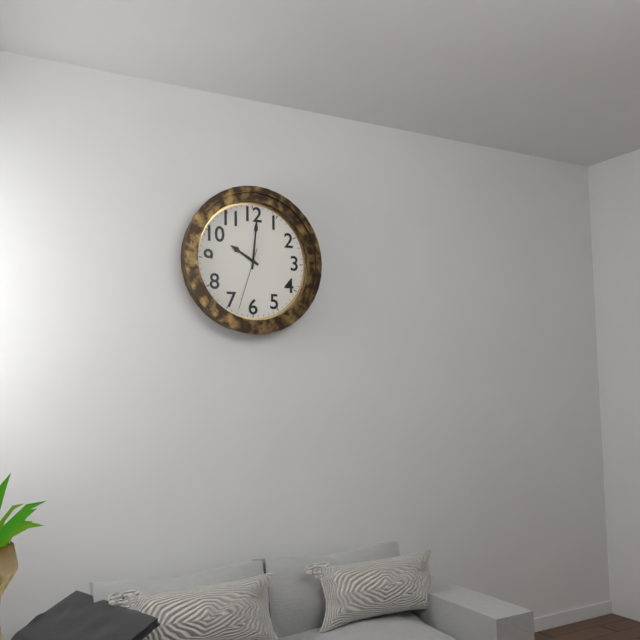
10,01,33
